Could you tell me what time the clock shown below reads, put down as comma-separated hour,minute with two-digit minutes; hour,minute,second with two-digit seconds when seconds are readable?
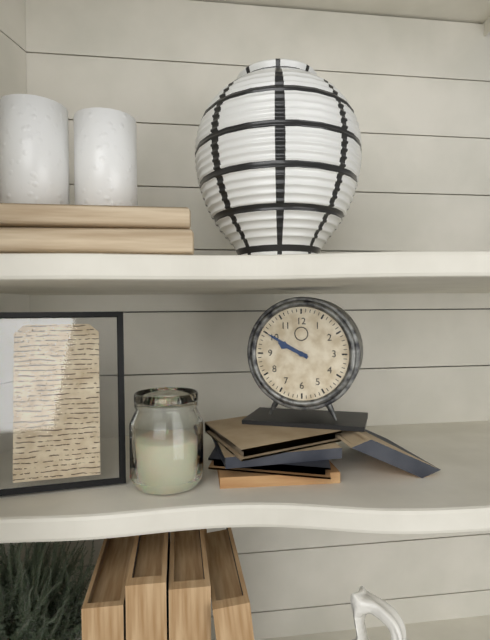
9,50
